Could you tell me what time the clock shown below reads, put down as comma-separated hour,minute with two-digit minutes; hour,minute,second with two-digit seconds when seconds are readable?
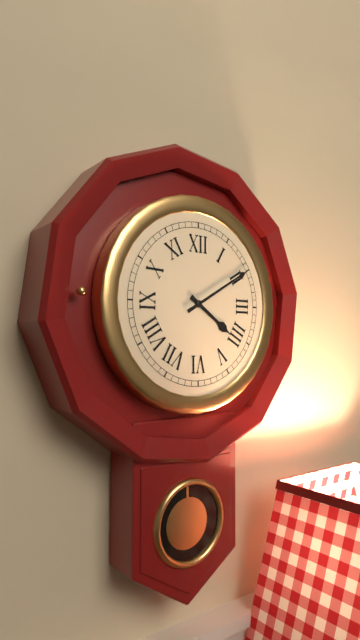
4,10
